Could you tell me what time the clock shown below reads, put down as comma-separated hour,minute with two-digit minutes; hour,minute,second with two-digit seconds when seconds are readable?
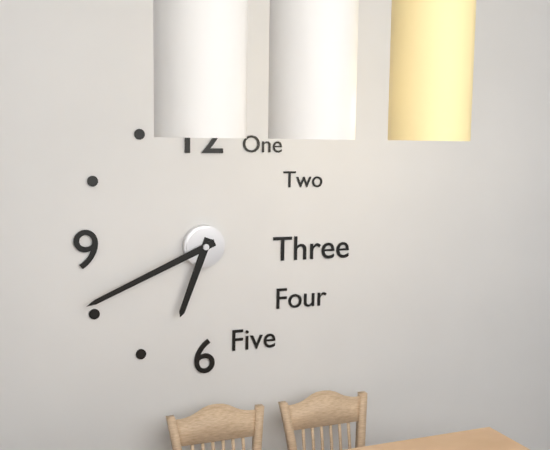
6,41
